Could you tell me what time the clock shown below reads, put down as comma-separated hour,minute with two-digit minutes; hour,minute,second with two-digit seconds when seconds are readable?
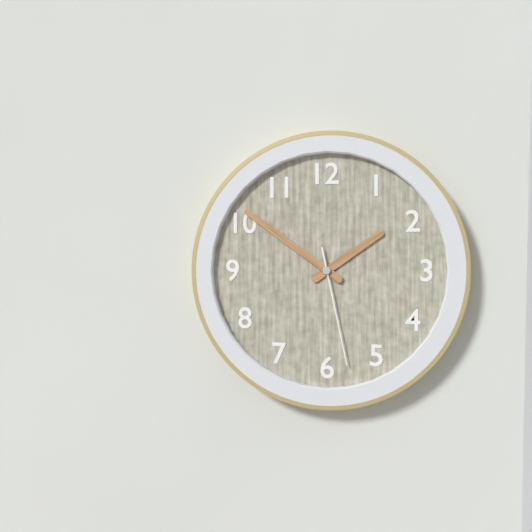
1,51,28
